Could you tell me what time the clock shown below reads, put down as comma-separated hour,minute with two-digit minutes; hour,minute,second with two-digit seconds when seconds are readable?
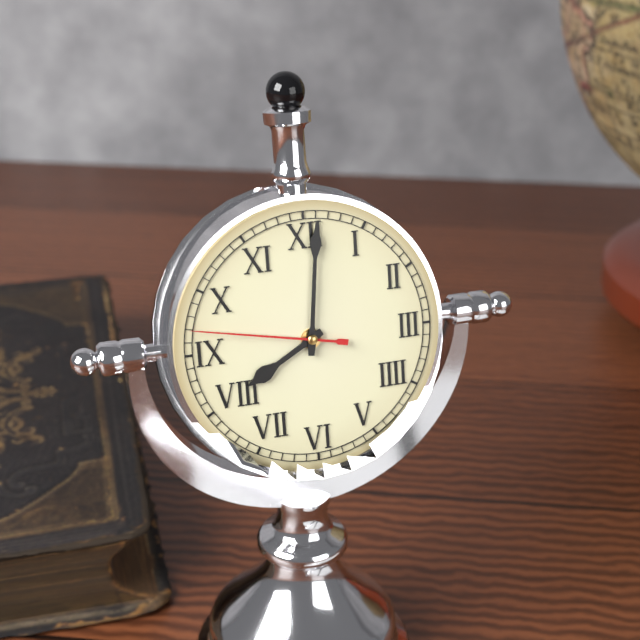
8,01,47
